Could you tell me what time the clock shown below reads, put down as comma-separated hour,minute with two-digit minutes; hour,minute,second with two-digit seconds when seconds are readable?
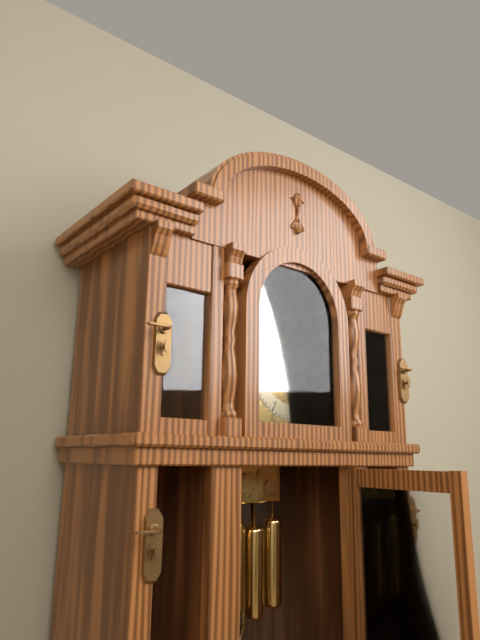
10,42
